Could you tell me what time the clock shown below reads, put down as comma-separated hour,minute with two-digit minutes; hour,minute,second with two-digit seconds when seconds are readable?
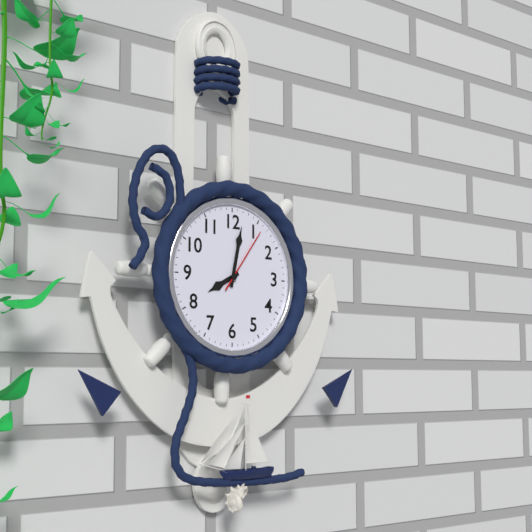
8,02,06
